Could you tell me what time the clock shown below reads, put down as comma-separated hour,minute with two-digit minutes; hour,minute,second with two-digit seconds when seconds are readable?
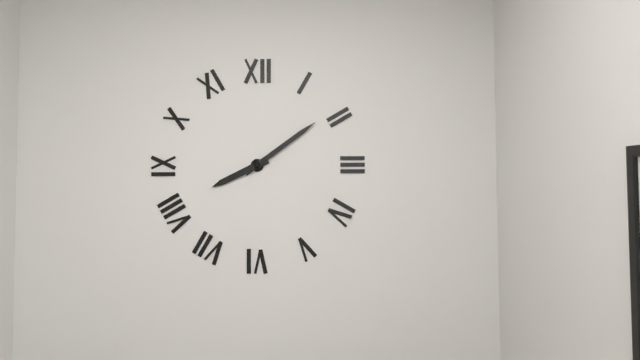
8,09
